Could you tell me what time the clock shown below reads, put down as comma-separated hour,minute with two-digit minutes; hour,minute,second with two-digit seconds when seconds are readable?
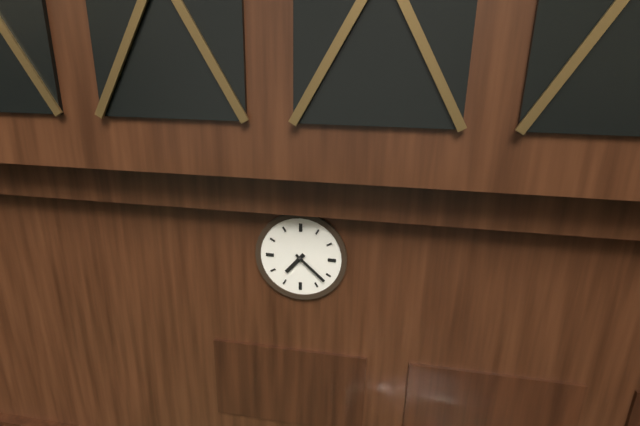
7,22
